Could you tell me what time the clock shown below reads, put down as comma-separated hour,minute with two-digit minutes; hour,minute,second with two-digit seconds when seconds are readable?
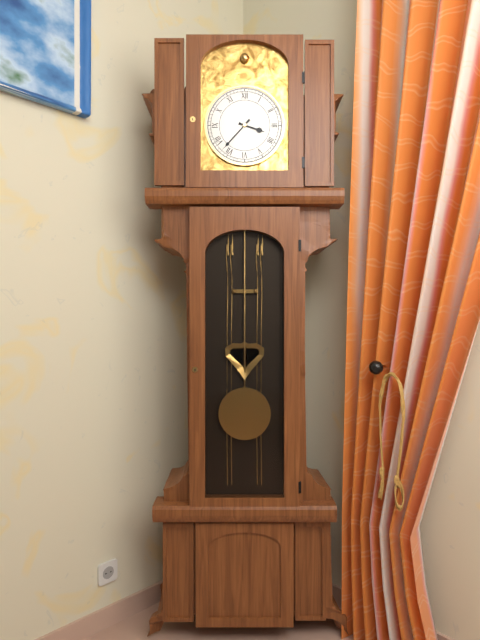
3,37
